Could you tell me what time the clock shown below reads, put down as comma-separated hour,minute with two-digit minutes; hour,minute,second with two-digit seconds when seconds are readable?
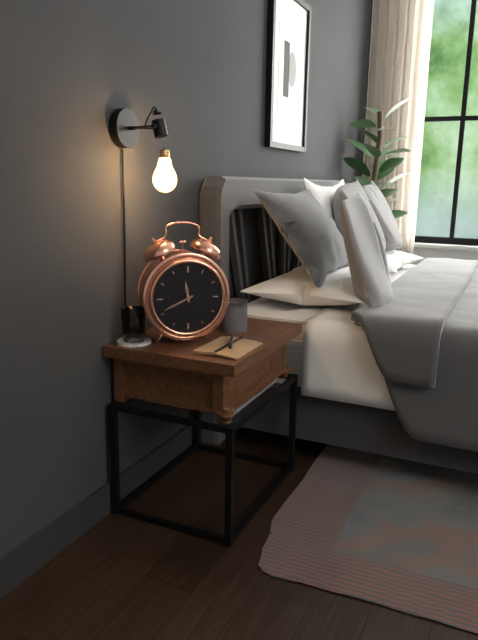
11,41
